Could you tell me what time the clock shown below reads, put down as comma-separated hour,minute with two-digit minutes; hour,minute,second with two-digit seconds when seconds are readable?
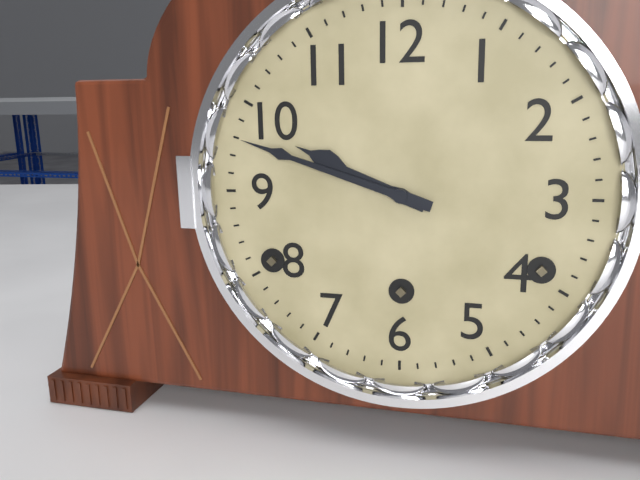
9,48
